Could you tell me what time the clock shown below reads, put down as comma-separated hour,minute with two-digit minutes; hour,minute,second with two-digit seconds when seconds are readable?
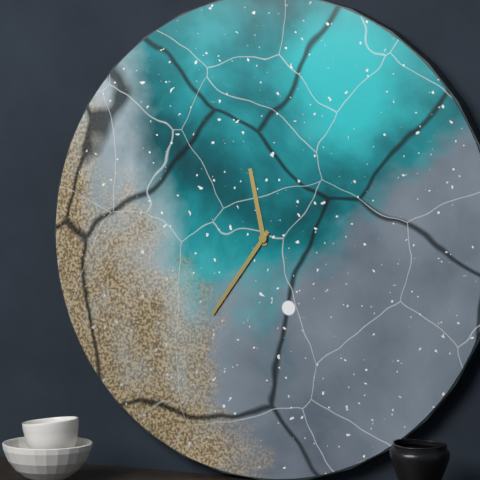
11,36
